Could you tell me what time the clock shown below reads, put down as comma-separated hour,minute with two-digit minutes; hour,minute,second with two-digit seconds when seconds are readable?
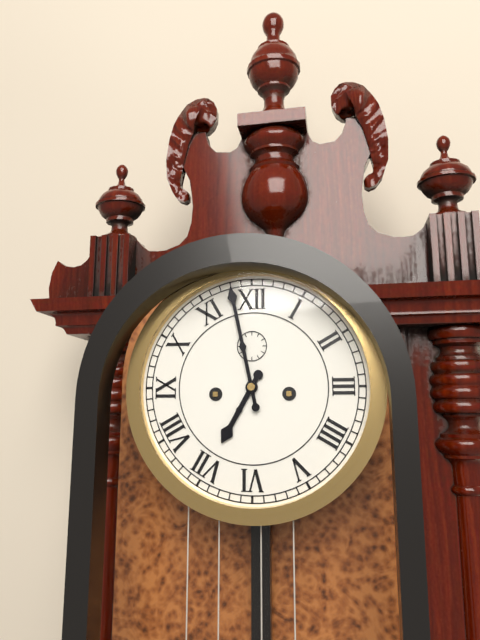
6,58
